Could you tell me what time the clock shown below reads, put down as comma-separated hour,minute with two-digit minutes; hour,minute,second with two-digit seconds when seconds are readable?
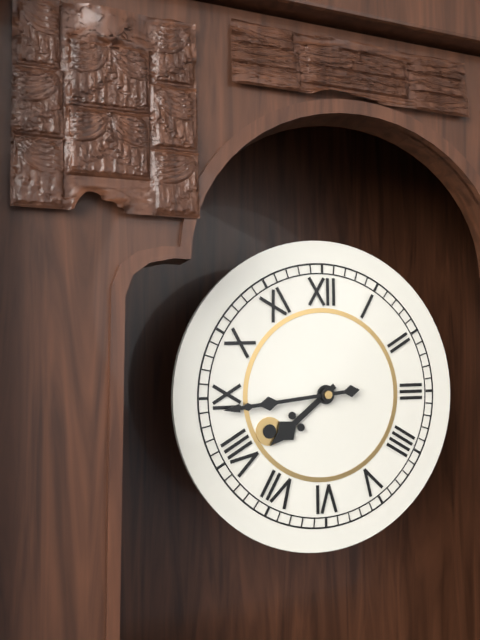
7,44
